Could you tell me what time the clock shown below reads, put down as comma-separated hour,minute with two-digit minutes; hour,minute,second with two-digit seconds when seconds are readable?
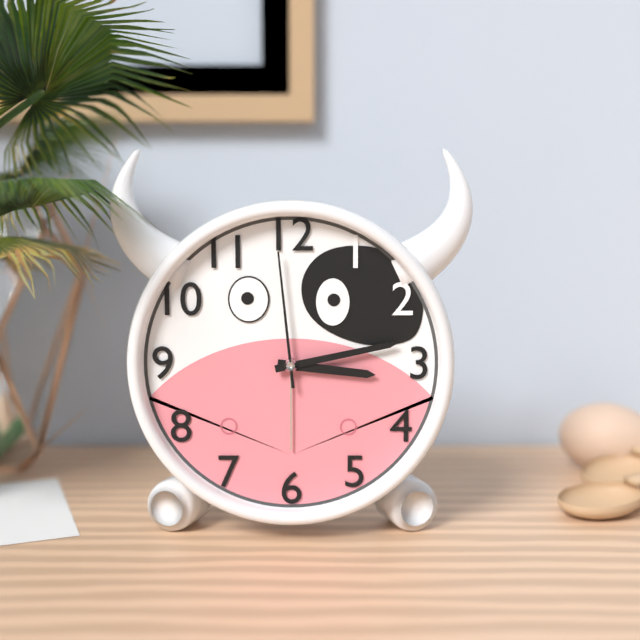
3,13,59
